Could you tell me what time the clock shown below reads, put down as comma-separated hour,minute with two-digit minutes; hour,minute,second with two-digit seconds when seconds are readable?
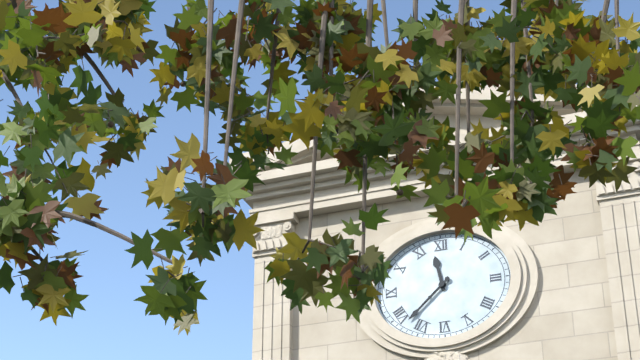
11,38
